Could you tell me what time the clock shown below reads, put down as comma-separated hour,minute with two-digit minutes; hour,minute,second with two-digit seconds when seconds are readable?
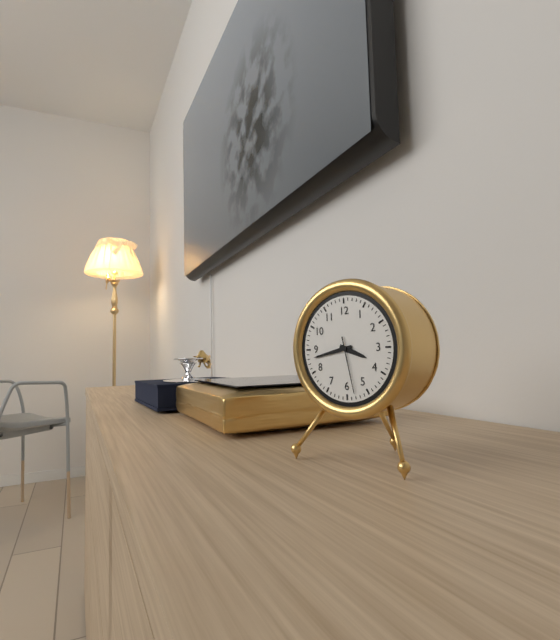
3,43,28
